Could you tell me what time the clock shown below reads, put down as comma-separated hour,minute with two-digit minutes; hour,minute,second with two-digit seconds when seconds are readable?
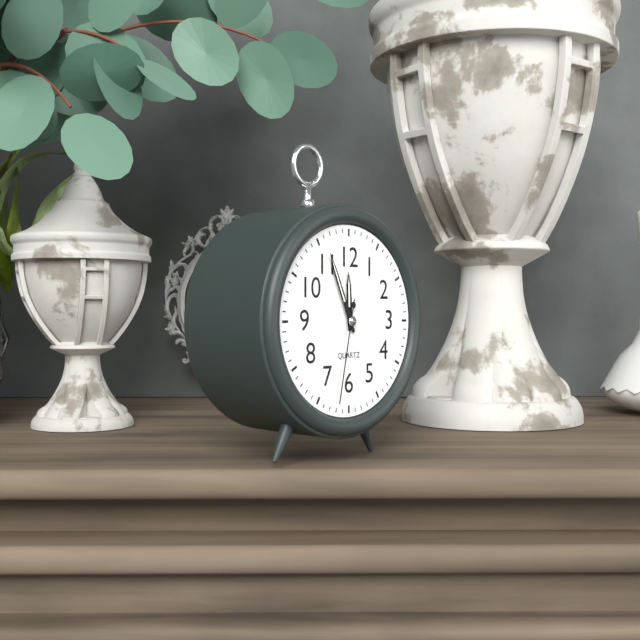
11,56,32
